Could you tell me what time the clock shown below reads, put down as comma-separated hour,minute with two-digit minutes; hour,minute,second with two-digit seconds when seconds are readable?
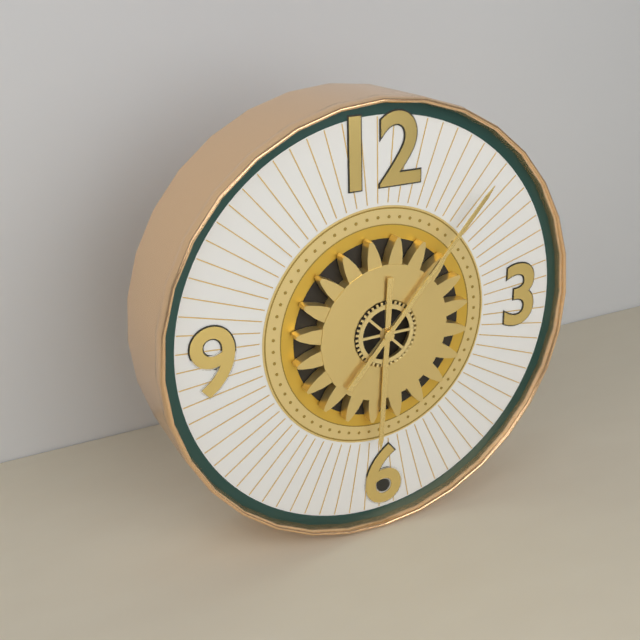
6,07
